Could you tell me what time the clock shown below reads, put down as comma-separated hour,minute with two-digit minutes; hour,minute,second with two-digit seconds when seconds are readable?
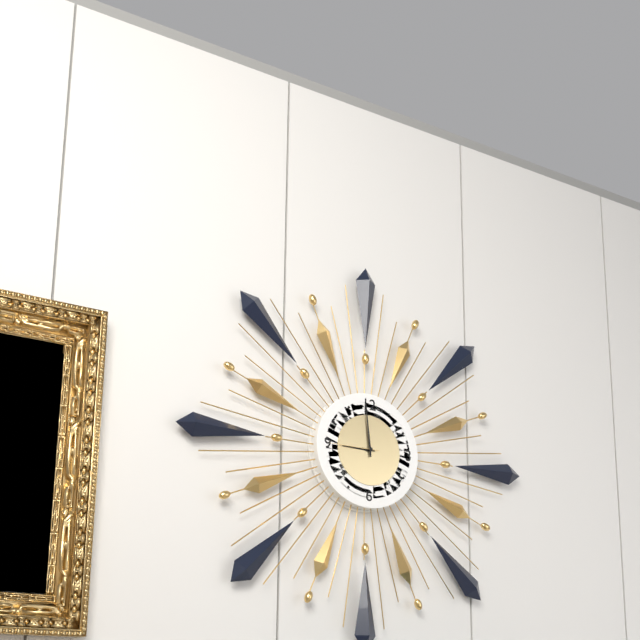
8,59
